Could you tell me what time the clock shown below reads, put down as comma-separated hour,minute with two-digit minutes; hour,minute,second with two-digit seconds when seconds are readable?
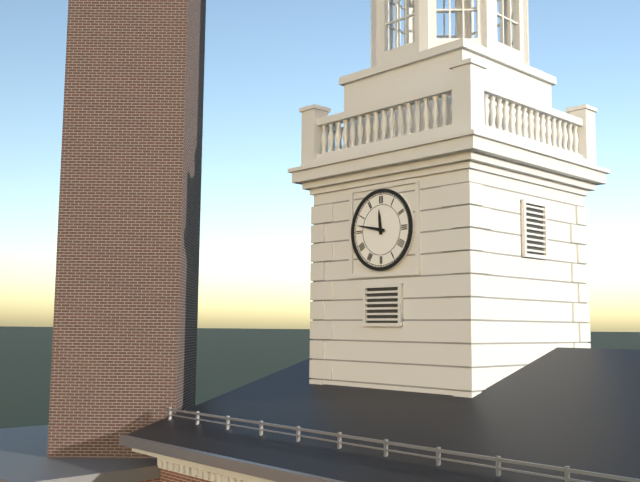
11,47
